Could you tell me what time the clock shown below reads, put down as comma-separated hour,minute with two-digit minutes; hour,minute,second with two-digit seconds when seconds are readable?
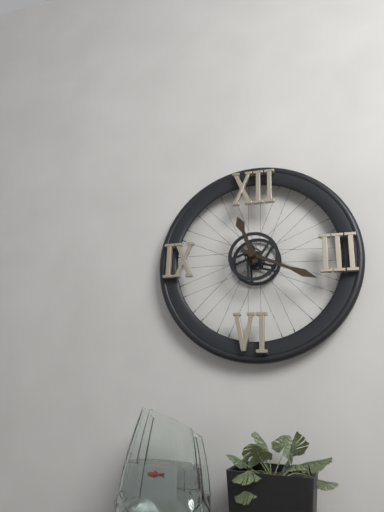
11,19
